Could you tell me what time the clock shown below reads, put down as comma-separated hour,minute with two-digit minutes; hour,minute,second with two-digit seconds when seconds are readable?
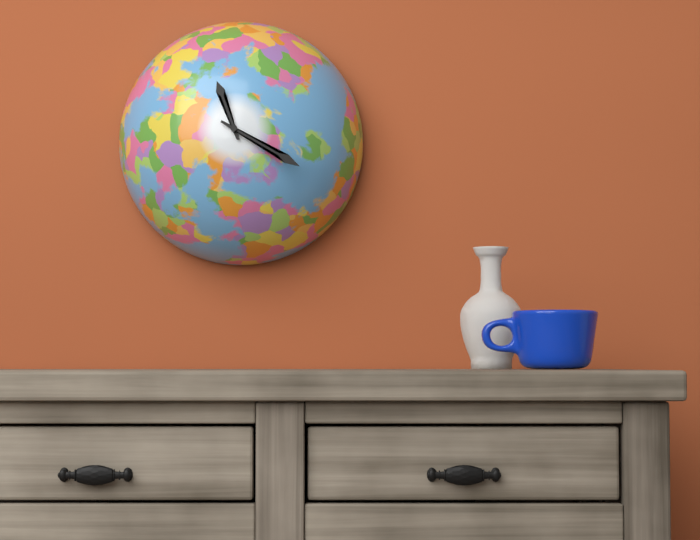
11,20
